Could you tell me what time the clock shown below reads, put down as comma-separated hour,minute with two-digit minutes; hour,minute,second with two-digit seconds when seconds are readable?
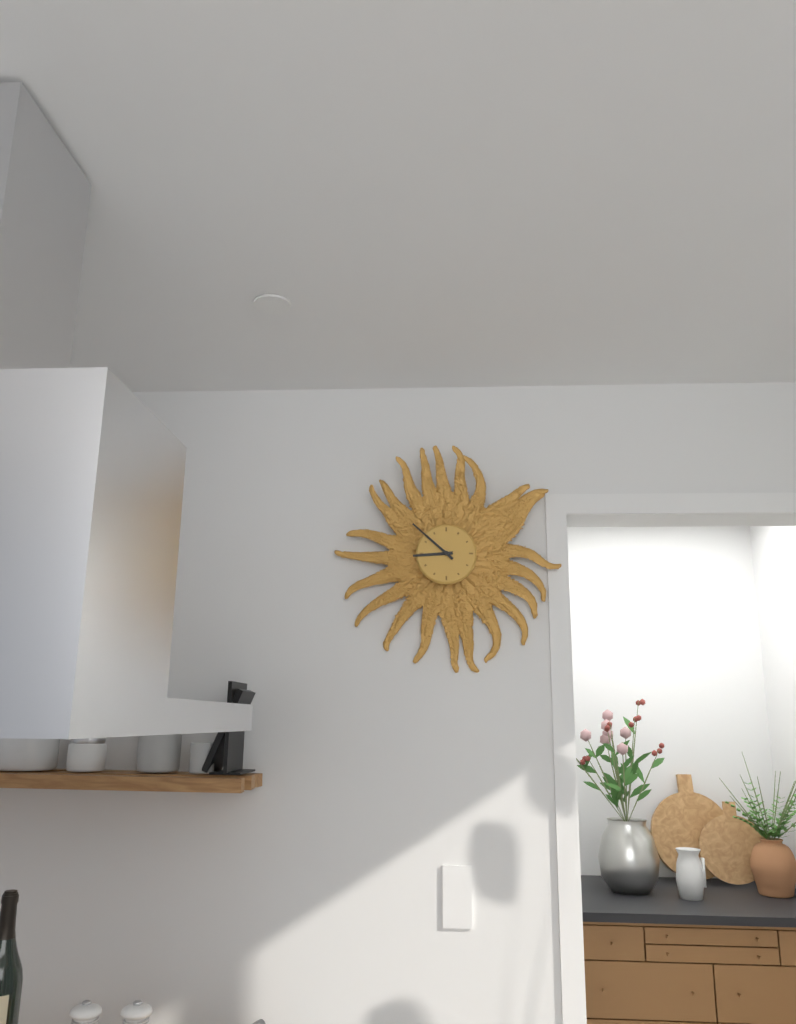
8,52
